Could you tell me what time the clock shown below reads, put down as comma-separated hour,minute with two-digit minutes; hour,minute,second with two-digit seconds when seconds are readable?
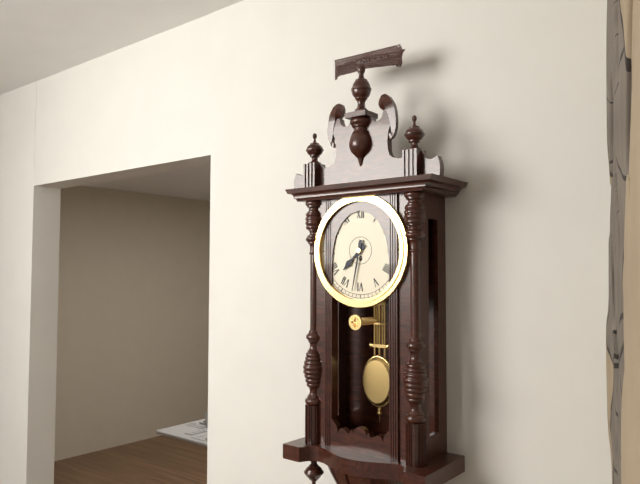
7,32
